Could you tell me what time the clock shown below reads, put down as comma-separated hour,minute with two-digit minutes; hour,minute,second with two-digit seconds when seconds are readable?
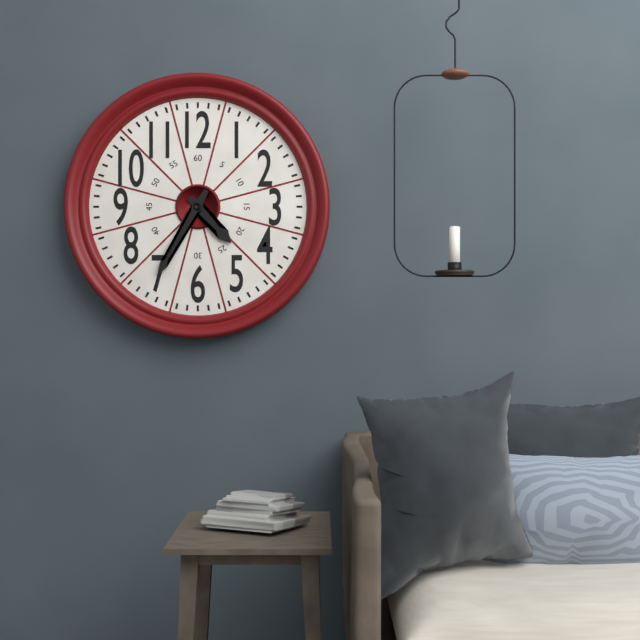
4,35
